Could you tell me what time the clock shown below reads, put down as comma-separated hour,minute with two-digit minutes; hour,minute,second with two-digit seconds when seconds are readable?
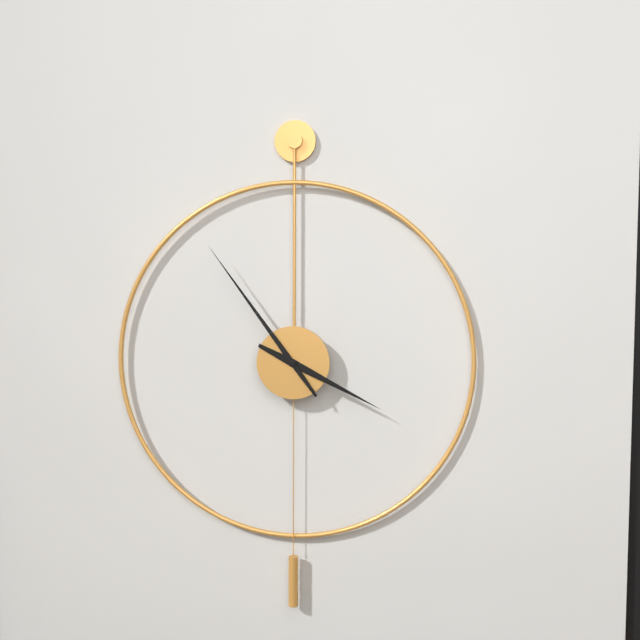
3,54
